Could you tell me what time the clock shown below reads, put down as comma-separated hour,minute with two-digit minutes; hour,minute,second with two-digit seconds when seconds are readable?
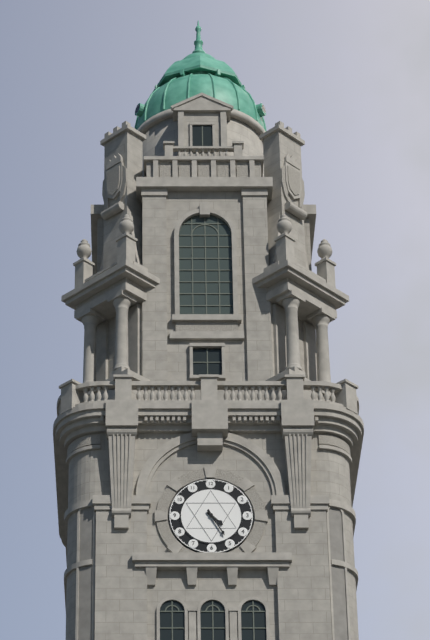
4,25
